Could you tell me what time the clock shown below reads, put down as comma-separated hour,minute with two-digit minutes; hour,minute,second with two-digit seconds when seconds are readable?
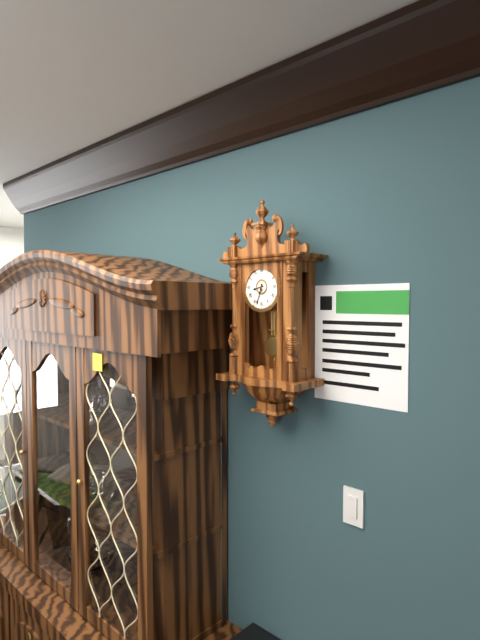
8,33
